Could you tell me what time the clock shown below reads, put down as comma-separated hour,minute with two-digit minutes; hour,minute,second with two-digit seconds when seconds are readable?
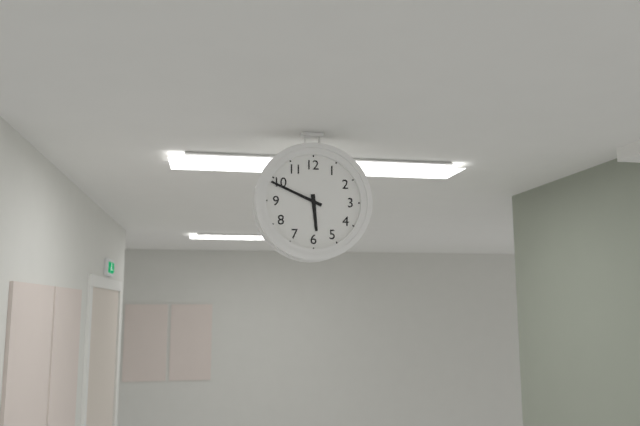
5,49
